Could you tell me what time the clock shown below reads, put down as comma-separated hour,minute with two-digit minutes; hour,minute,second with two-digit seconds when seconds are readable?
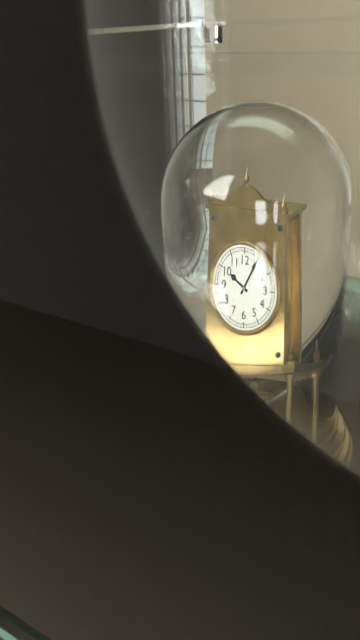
10,05
